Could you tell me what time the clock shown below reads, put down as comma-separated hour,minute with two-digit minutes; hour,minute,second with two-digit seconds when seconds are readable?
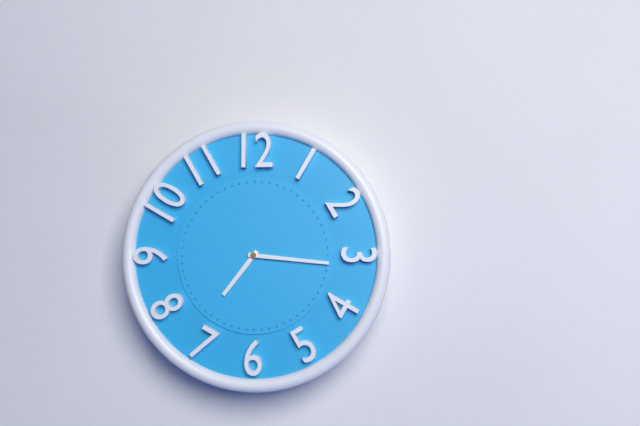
7,16
